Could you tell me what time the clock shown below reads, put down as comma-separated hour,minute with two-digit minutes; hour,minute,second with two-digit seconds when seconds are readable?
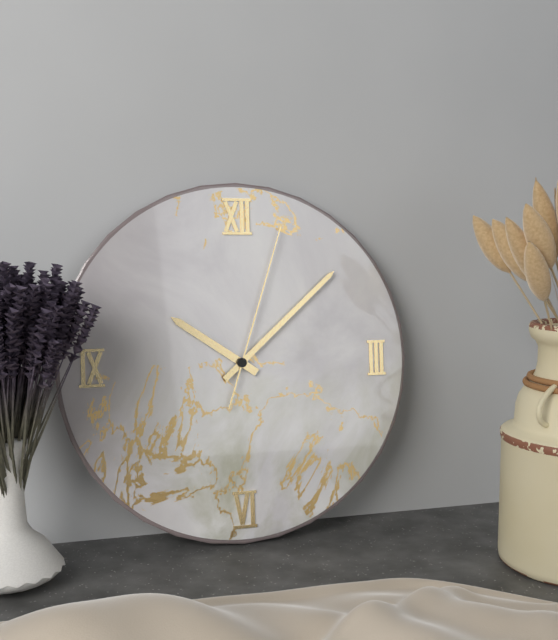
10,08,03
